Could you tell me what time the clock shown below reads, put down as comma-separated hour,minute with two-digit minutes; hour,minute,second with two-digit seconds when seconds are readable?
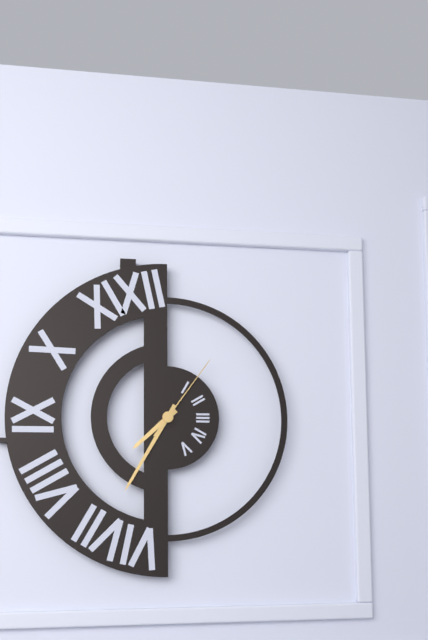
7,35,06
